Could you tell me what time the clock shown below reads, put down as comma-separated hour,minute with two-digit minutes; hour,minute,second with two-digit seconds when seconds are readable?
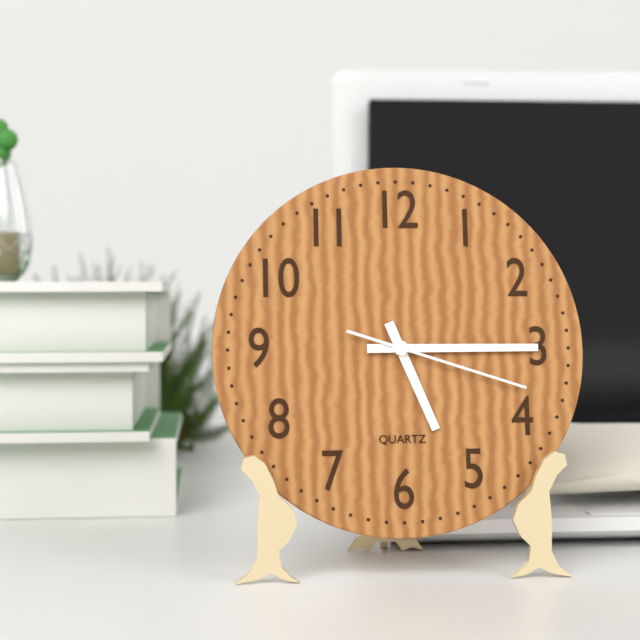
5,15,18
